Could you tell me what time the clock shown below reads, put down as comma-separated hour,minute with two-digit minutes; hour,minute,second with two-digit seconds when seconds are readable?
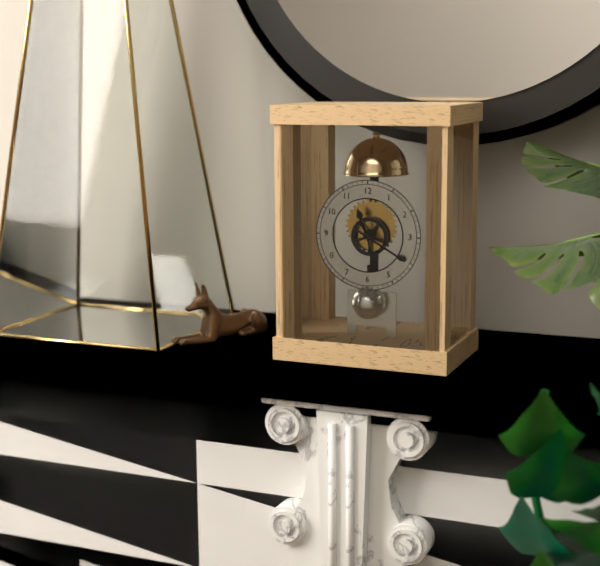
11,20
